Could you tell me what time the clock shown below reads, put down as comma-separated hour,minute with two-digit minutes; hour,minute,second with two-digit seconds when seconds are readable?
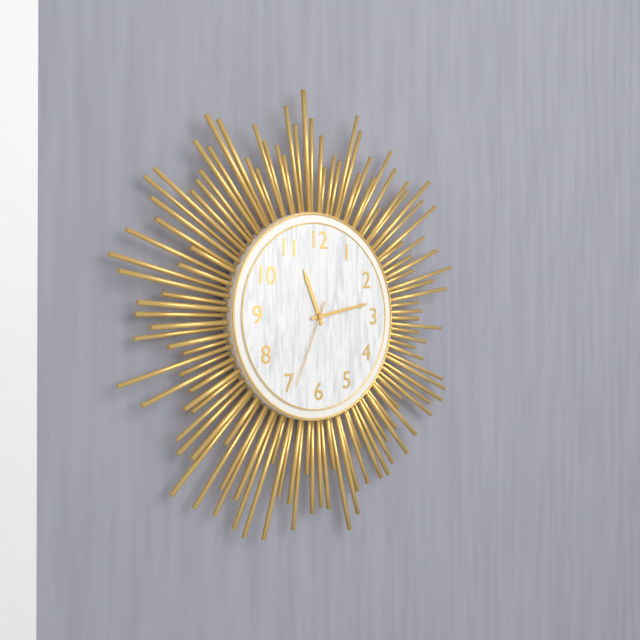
11,13,34
